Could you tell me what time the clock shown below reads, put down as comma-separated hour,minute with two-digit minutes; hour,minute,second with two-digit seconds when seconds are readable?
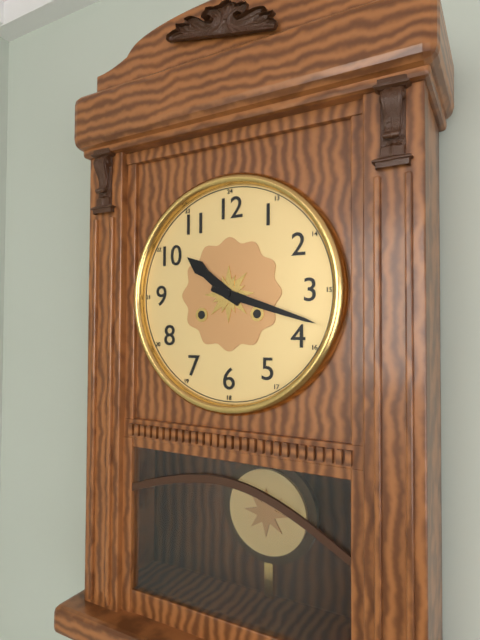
10,18
